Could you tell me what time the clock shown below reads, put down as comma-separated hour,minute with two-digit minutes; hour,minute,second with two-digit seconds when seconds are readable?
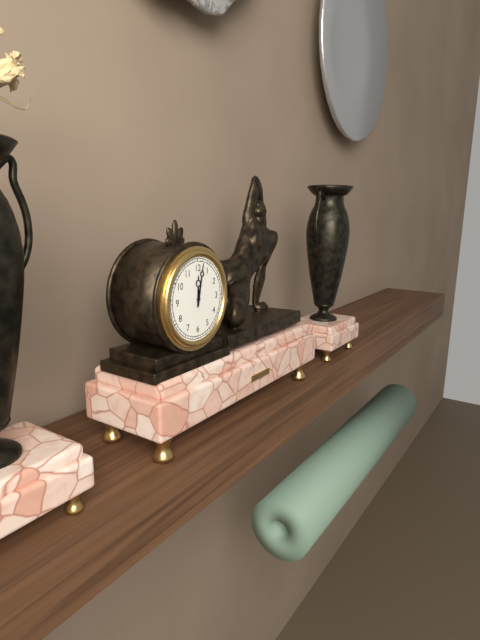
12,02
